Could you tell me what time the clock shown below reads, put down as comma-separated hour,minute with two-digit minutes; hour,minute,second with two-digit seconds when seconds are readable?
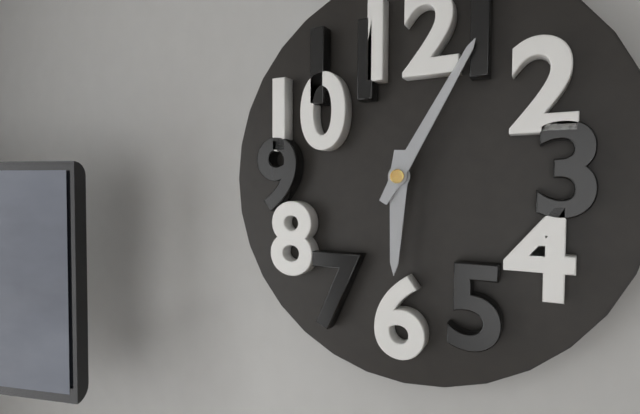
6,05
